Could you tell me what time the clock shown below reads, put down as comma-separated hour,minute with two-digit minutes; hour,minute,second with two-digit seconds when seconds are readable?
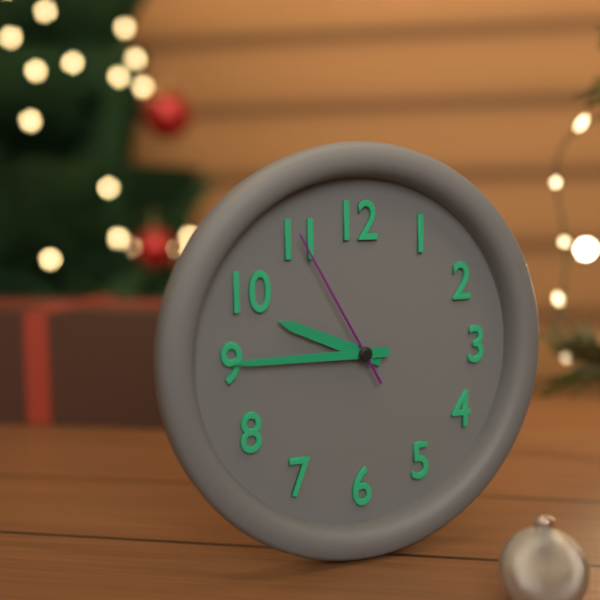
9,45,55
